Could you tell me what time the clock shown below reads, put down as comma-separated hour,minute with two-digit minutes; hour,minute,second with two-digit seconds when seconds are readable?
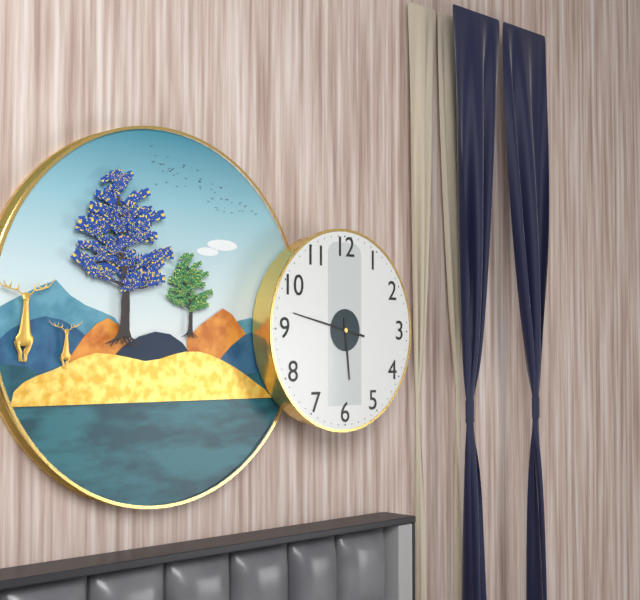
5,47
